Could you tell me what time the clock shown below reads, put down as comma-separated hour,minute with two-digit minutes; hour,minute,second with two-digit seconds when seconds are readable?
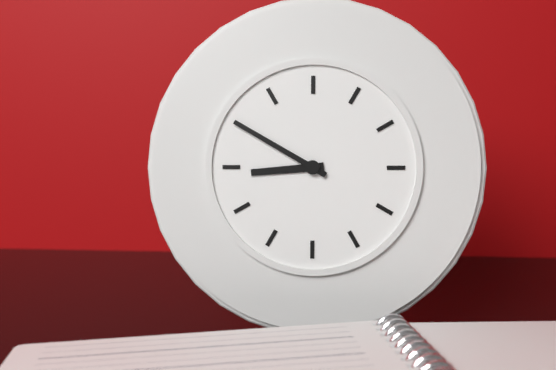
8,50
